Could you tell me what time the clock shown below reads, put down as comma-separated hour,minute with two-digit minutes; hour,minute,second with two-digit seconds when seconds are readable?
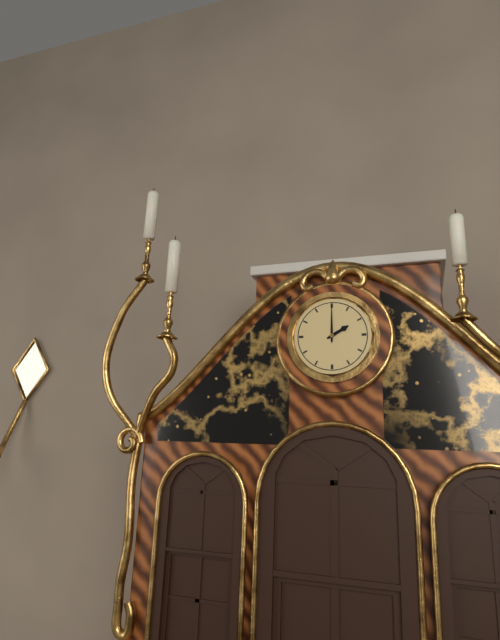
2,00
